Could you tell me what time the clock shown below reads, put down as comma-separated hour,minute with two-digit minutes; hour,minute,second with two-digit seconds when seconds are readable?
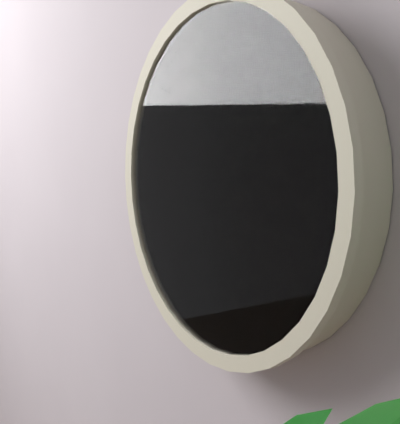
12,52,24
